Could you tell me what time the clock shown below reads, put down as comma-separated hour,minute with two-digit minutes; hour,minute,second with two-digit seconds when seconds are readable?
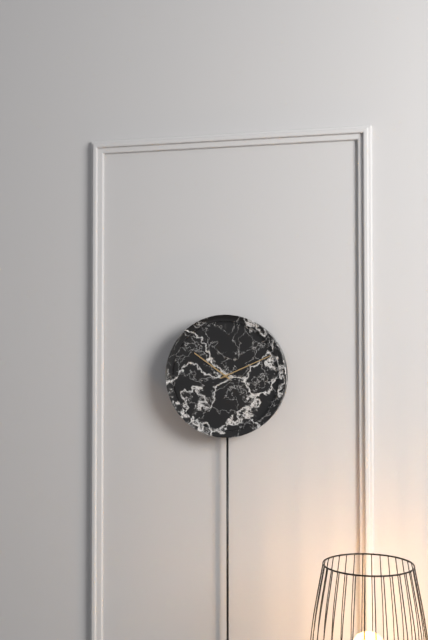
10,11
